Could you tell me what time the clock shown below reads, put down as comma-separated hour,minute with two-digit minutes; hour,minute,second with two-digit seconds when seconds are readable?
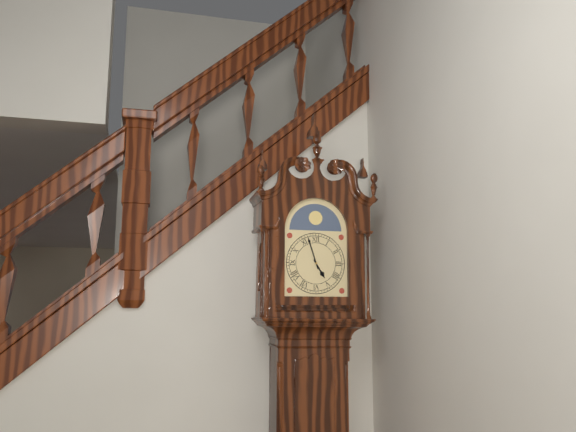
4,57
